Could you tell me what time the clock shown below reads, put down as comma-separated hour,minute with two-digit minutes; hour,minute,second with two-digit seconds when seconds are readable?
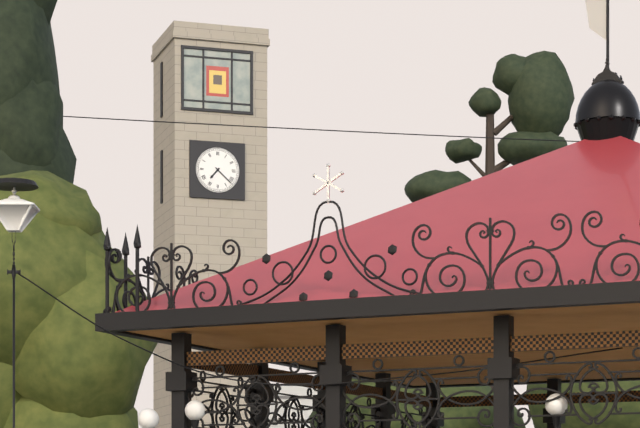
7,22
